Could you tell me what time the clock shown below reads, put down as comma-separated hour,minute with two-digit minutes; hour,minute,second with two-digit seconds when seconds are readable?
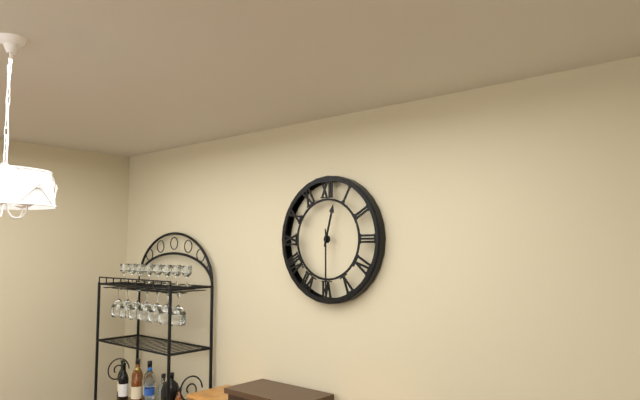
12,30
